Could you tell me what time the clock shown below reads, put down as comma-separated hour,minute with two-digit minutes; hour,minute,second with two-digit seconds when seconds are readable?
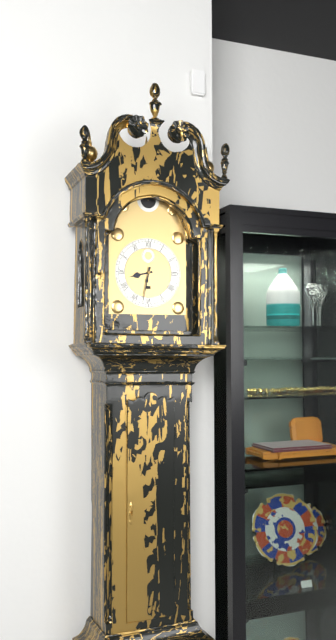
8,32
